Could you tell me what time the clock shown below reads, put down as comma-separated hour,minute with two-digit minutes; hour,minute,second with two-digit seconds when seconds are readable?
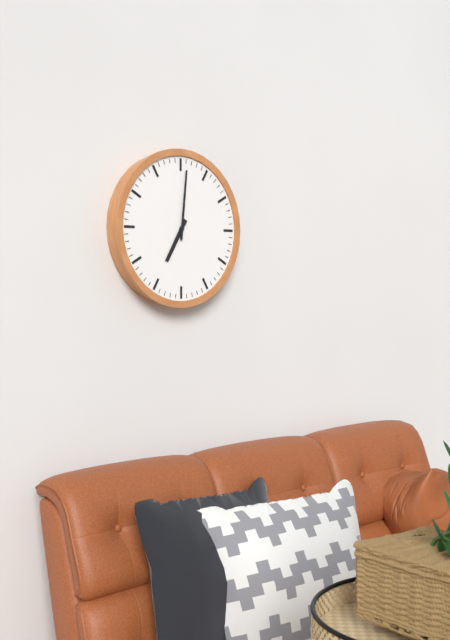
7,01
